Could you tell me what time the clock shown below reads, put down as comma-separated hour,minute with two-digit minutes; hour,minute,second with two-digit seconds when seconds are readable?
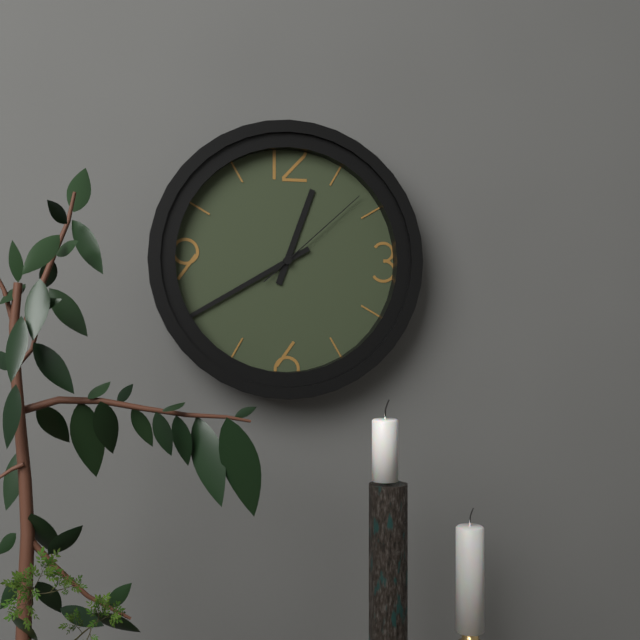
12,40,08
